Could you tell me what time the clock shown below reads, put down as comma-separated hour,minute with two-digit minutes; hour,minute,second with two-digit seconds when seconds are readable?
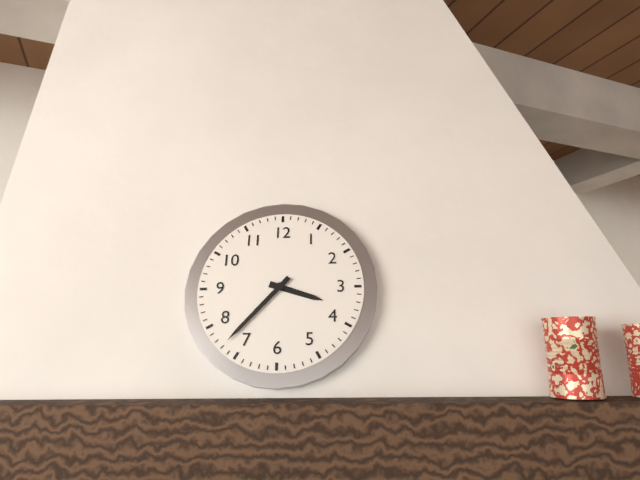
3,37
